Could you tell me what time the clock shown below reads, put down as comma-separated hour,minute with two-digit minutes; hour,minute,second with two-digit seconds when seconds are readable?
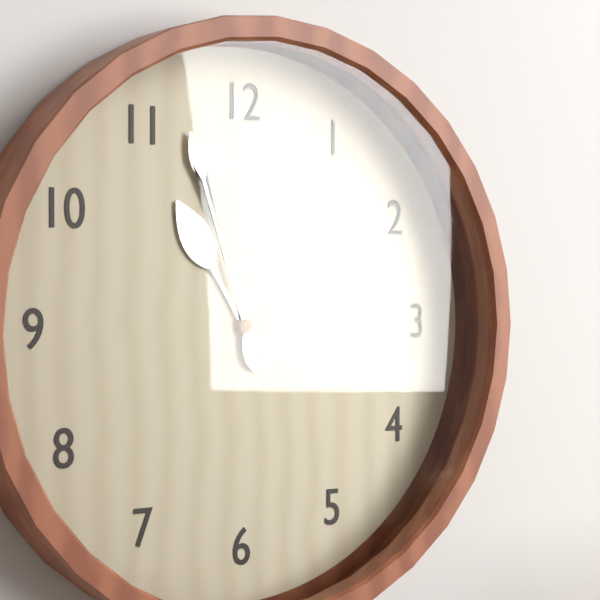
10,57
